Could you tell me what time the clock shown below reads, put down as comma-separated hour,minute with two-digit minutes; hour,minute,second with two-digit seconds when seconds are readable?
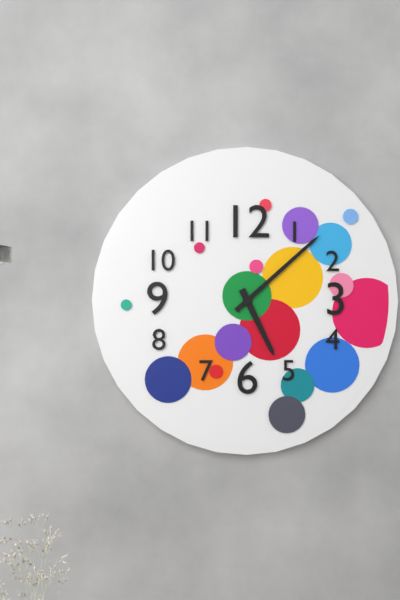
5,08
